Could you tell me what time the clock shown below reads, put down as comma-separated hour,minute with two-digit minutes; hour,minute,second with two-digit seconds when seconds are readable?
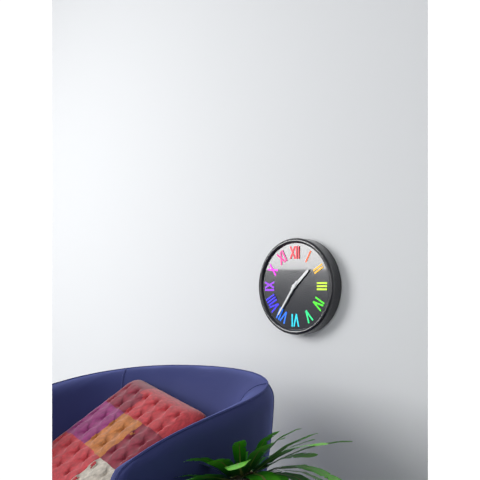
1,36
